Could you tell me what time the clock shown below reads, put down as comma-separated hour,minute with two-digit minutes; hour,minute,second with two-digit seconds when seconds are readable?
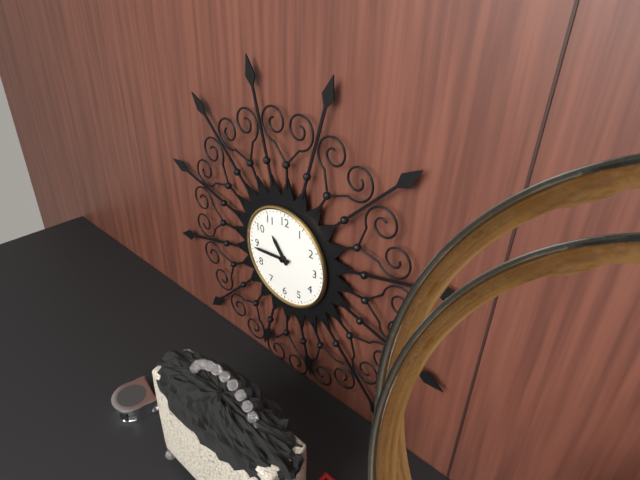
10,44
